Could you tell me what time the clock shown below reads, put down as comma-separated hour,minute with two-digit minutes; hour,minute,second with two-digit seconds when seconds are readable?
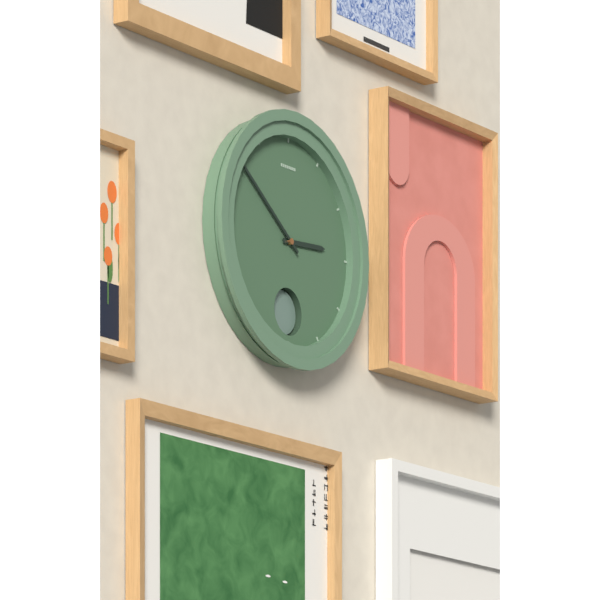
2,51
